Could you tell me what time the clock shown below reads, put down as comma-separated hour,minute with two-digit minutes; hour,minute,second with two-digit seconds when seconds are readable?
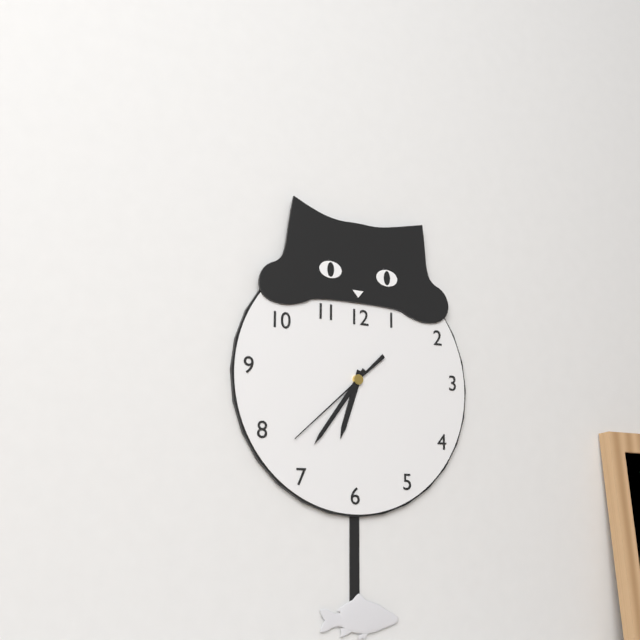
6,36,38
